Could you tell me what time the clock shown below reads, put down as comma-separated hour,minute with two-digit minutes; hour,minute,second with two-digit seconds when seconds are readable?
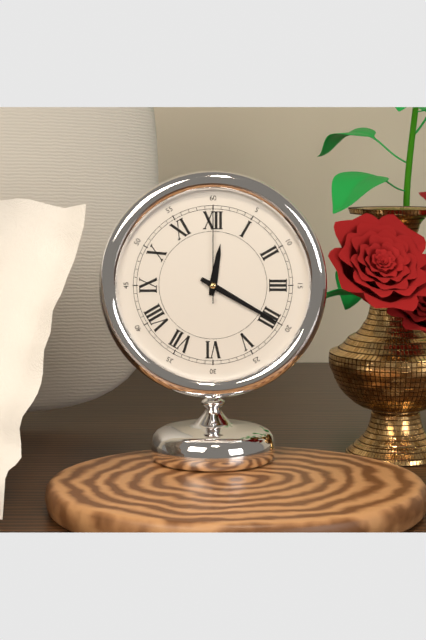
12,20,00
